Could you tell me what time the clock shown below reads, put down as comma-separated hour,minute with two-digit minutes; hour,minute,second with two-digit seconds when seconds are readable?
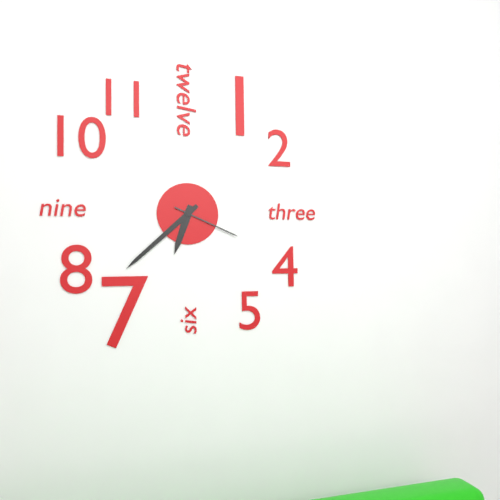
6,38,19
